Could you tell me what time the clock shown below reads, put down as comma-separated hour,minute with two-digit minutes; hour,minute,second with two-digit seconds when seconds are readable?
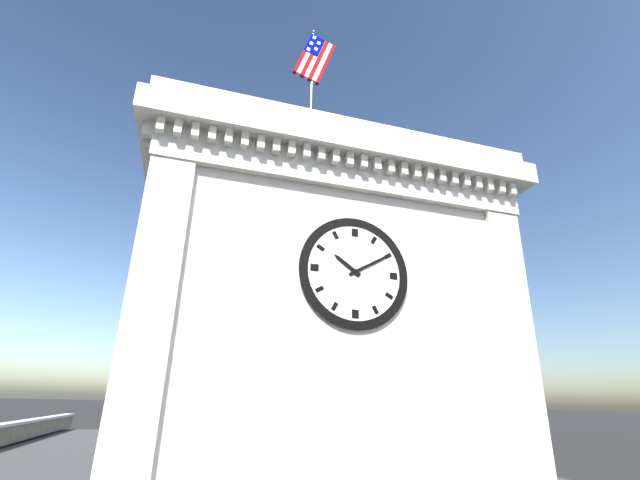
10,10
